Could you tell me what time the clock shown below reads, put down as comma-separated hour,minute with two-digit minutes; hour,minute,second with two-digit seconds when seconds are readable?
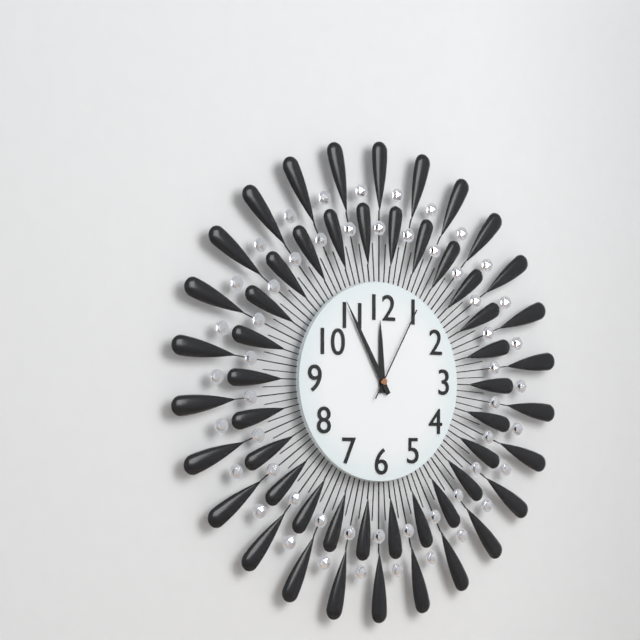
11,55,05
